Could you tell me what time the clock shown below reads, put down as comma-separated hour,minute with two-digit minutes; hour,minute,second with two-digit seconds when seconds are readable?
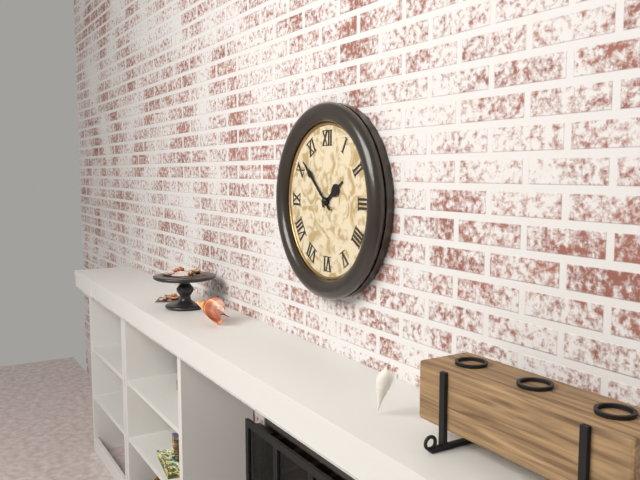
1,52
